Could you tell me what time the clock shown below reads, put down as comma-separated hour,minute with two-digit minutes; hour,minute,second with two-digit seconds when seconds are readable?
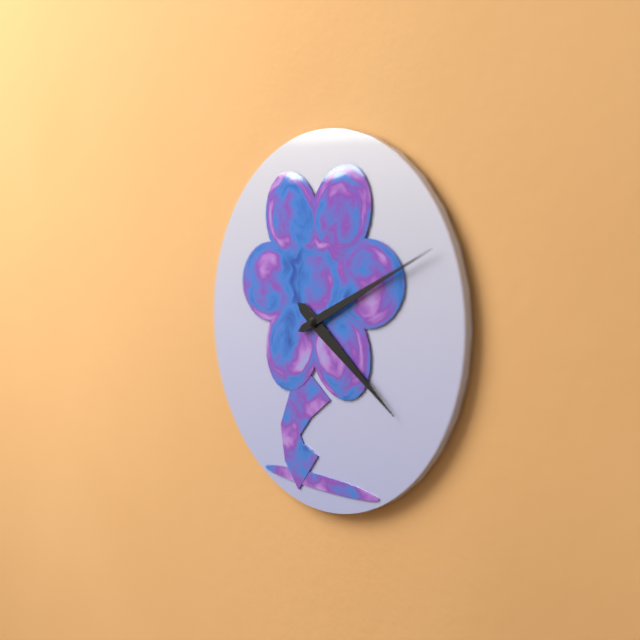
4,11
